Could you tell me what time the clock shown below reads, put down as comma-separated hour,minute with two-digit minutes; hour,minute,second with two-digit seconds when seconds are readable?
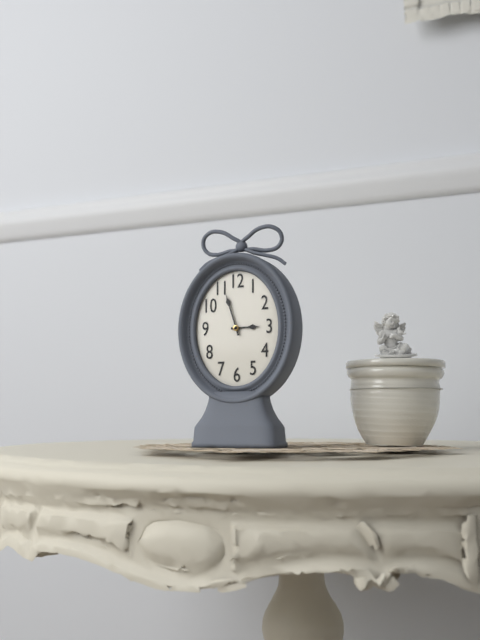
2,57
